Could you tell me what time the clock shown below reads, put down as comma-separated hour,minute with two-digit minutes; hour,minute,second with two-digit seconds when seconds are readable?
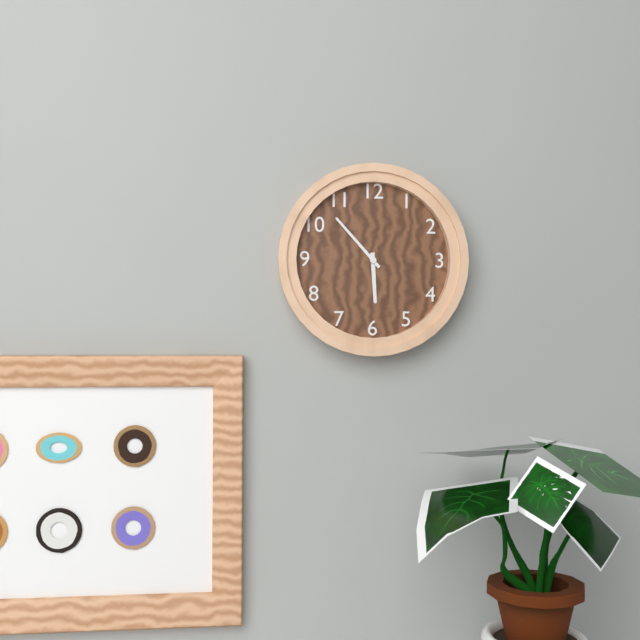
5,53
